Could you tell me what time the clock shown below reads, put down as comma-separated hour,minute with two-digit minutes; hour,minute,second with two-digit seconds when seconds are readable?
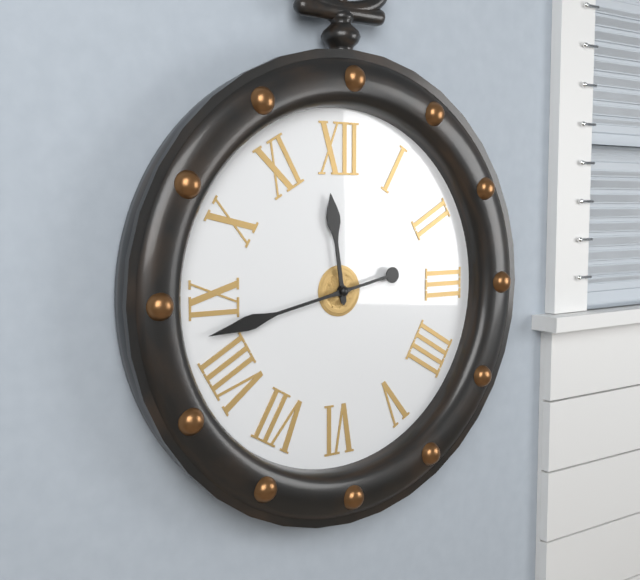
11,43
